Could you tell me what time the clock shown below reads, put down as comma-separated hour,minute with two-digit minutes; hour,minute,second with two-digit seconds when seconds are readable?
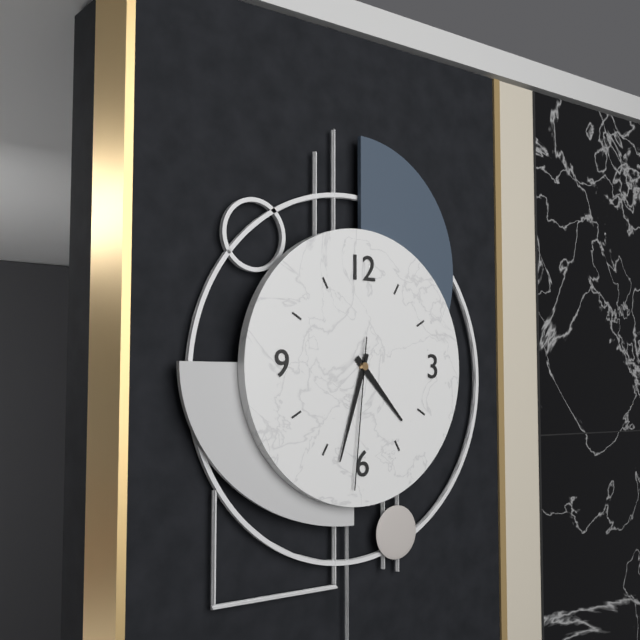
4,33,31
